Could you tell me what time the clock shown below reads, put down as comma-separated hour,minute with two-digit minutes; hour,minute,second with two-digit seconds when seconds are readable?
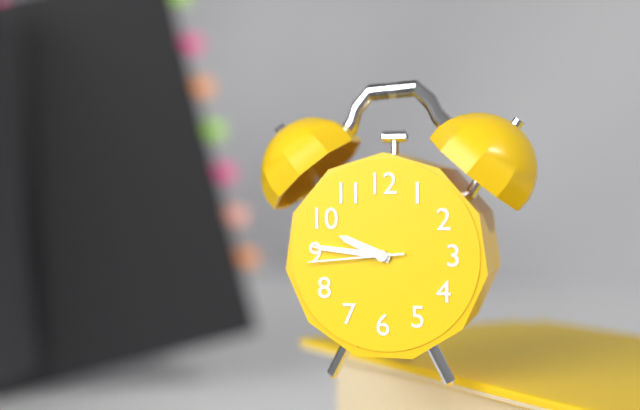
9,46,44
